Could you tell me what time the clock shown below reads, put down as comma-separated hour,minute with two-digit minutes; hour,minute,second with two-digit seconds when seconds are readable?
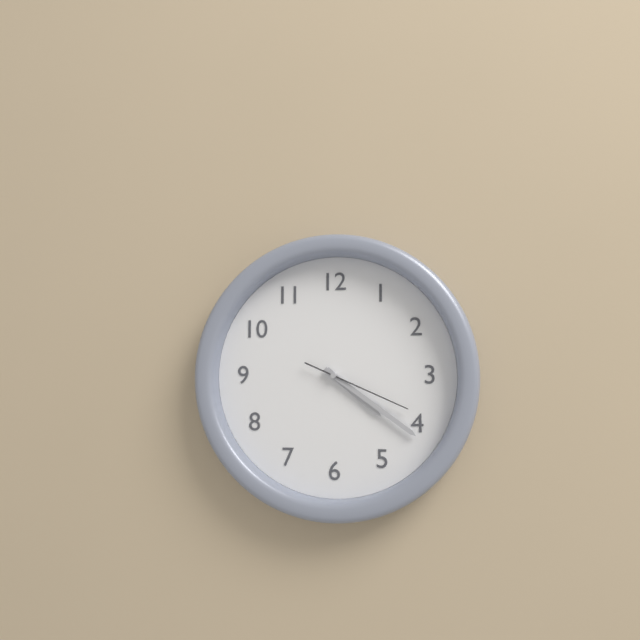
4,21,19
